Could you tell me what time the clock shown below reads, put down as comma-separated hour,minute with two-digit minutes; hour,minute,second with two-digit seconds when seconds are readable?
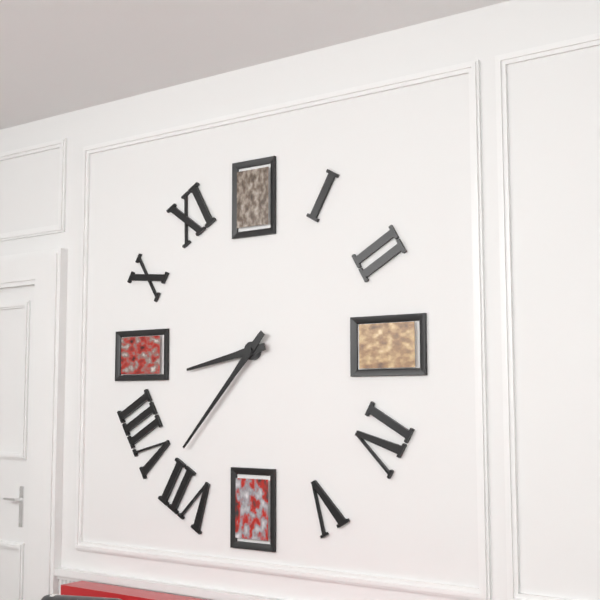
8,37
